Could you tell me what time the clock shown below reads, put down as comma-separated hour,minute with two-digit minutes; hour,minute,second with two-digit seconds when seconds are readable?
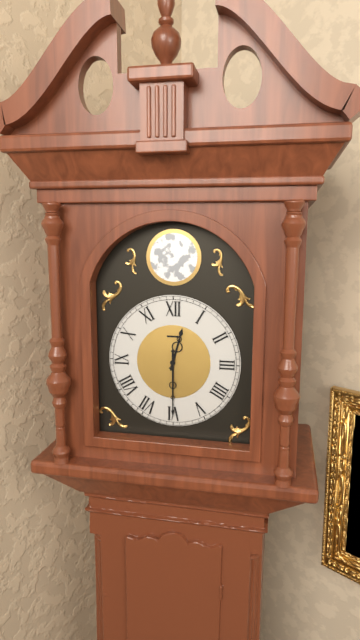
12,30
